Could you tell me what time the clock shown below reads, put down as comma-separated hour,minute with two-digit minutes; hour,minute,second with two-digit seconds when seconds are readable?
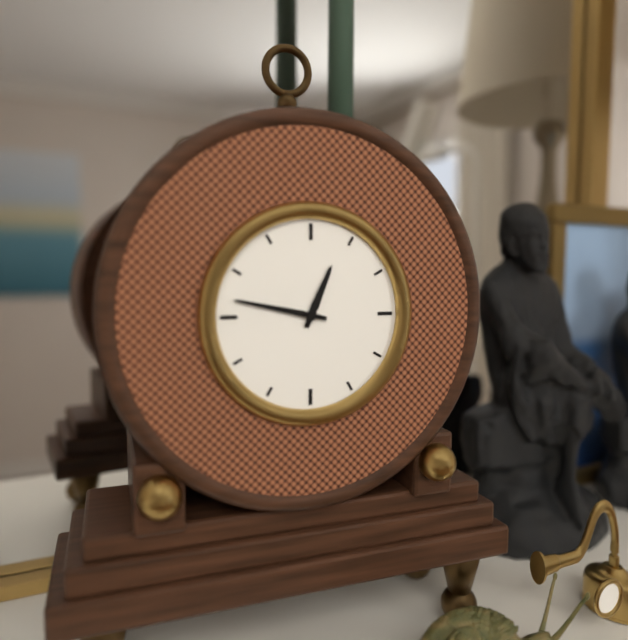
12,47
